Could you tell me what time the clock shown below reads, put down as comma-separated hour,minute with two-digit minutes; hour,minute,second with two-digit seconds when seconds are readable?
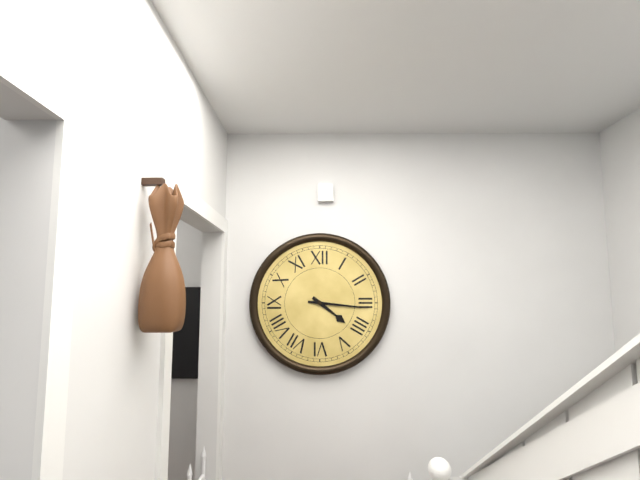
4,16
